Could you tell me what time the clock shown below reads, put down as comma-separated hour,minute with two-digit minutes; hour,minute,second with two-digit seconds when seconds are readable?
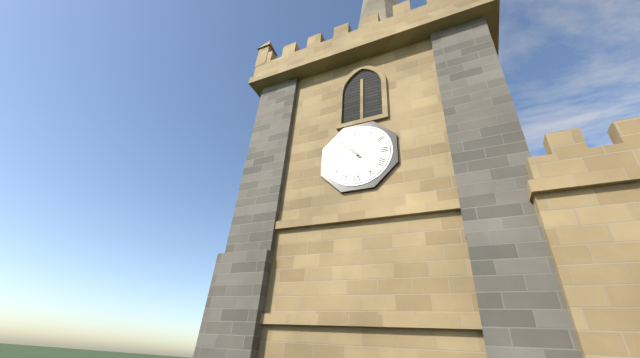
10,53
